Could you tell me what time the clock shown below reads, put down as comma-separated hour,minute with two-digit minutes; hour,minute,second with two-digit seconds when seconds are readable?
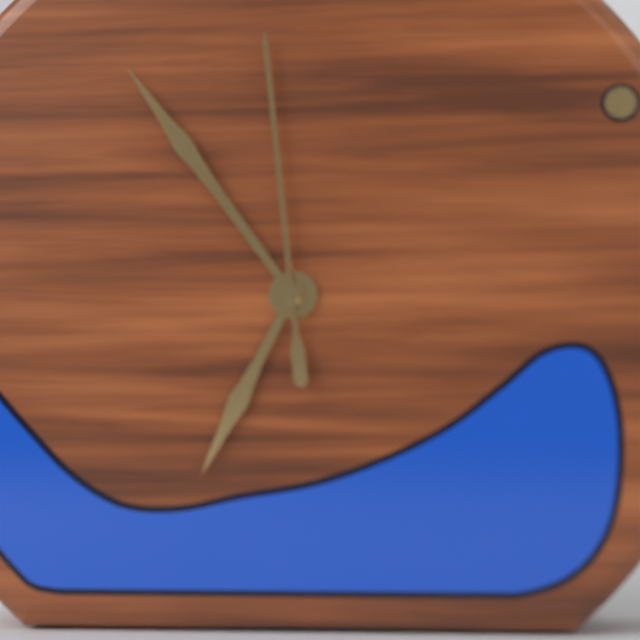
6,54,59
